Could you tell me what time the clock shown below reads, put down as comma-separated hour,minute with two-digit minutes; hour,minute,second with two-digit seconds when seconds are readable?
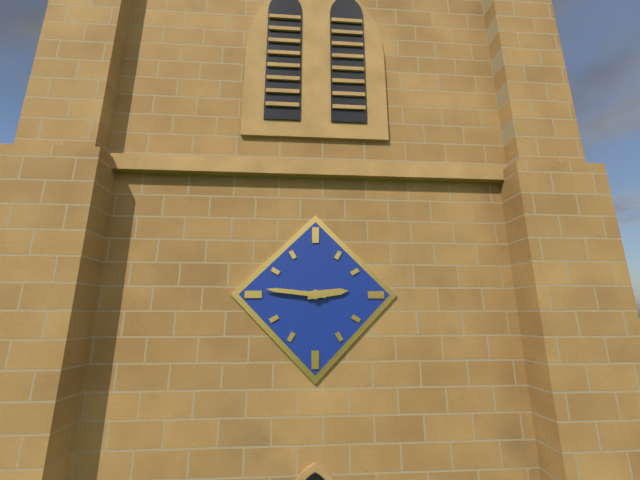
2,46
